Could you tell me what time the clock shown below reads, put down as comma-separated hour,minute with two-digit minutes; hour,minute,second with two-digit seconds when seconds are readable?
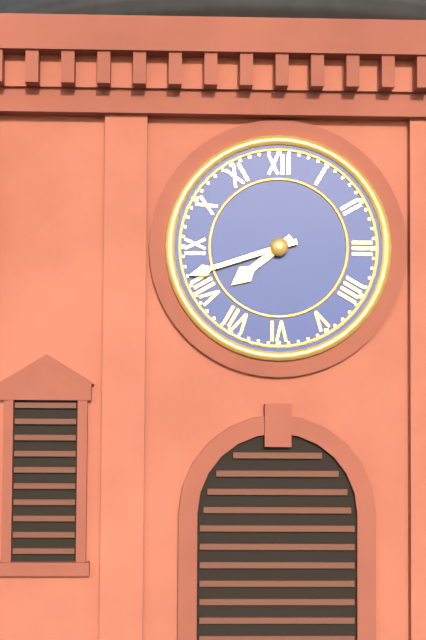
7,42
